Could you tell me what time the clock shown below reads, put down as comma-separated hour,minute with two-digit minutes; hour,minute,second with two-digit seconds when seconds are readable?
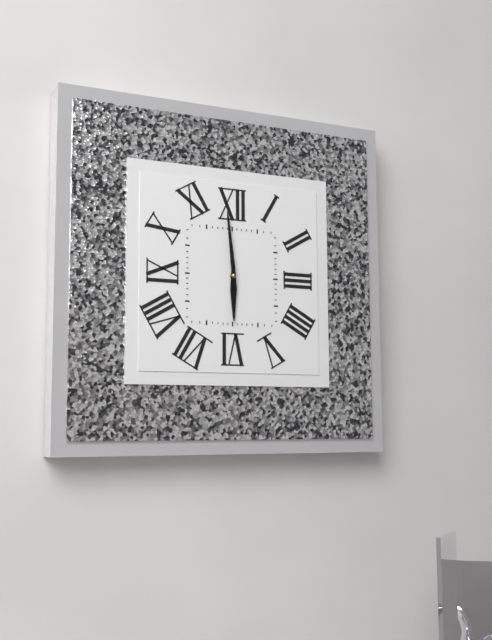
5,59
